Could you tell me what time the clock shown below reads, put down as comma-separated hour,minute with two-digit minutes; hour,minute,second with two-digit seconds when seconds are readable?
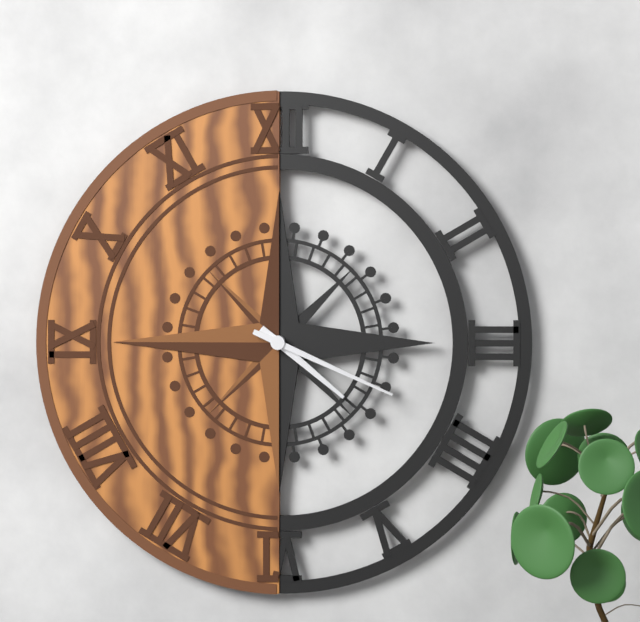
4,19
